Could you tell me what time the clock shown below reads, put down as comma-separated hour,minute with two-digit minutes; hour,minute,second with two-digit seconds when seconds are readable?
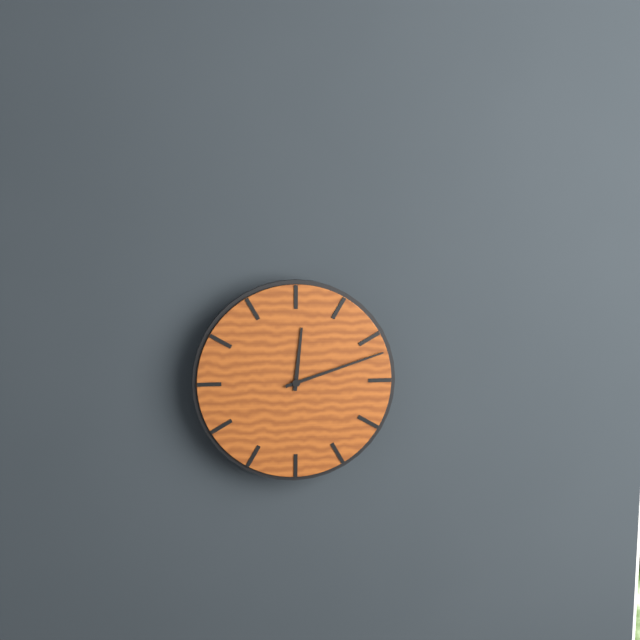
12,12
